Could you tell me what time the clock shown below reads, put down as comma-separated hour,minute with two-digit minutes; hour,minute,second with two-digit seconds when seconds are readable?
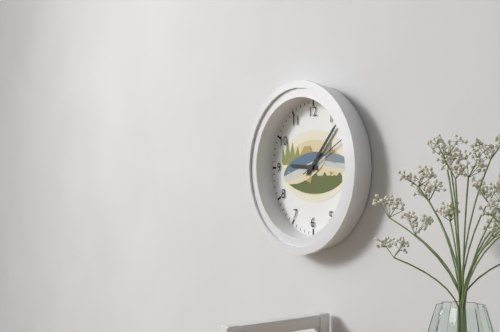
9,07,10
